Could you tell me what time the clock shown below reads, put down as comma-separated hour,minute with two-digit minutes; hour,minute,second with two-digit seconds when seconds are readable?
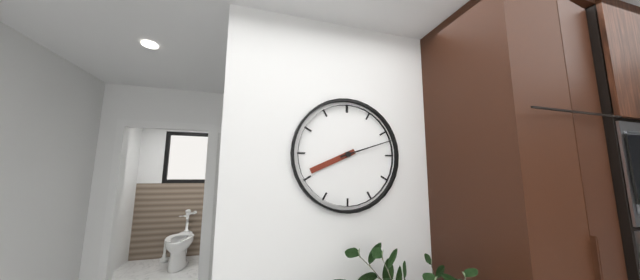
8,12
